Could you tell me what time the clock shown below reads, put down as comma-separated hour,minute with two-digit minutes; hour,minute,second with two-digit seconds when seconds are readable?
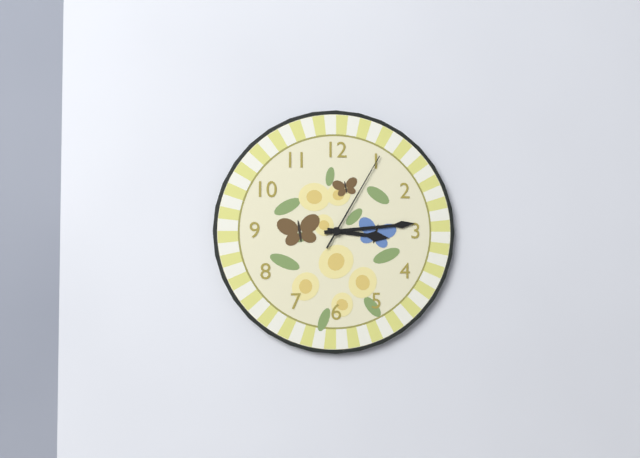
3,14,05
